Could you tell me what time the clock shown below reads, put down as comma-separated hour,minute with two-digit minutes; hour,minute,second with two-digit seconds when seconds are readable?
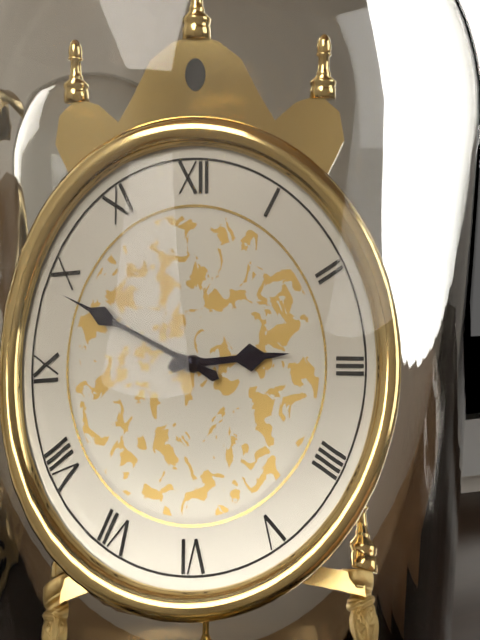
2,49
